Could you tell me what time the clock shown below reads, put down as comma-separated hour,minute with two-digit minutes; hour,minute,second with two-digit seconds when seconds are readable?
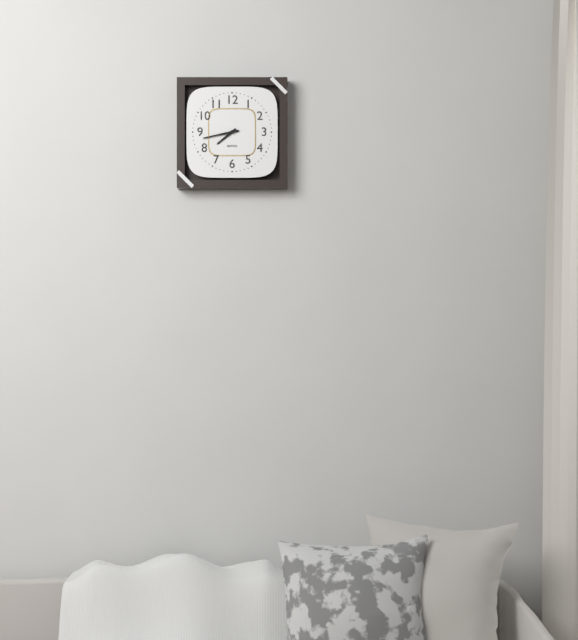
7,43
